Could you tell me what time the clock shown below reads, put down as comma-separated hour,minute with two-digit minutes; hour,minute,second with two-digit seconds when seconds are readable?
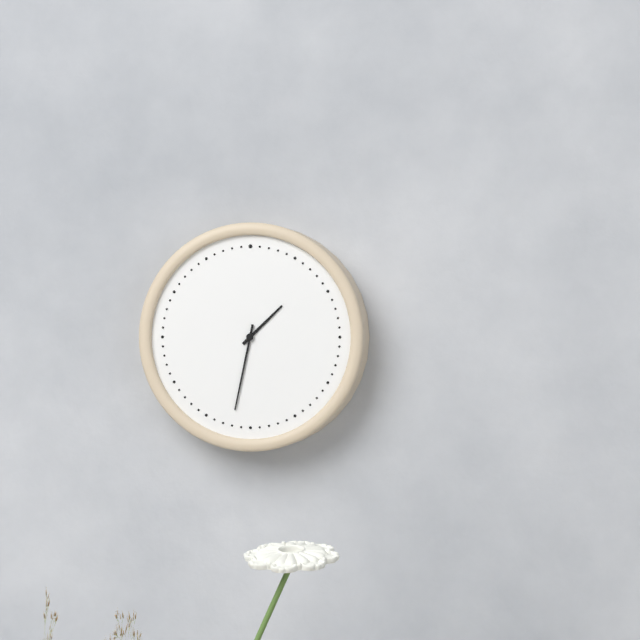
1,32
